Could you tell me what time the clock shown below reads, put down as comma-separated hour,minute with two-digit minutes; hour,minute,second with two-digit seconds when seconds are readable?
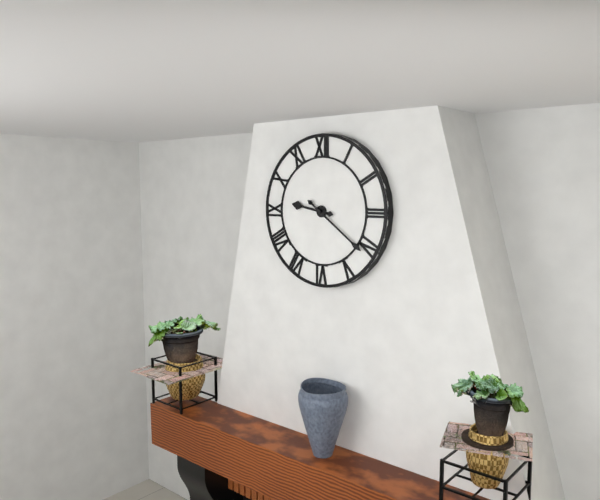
9,21
